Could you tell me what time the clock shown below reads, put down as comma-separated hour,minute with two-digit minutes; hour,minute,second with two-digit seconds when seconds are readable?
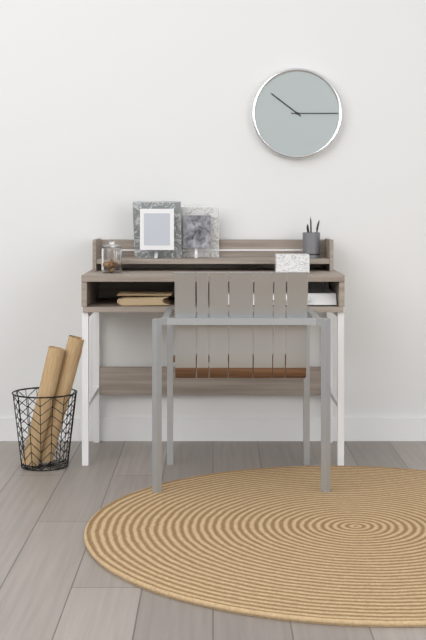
10,15
